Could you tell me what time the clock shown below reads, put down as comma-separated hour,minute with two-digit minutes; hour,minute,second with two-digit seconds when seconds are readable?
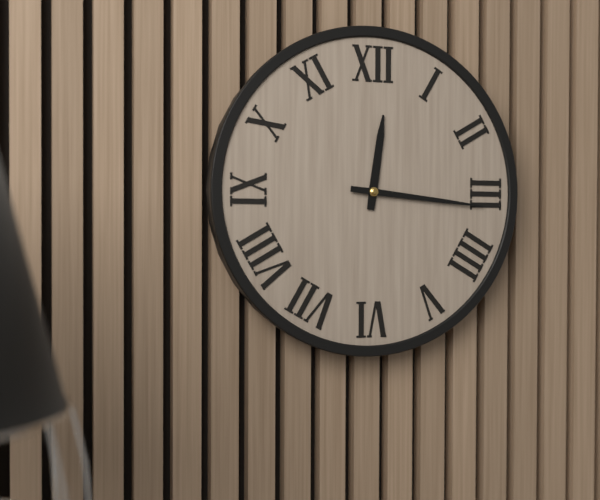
12,16
